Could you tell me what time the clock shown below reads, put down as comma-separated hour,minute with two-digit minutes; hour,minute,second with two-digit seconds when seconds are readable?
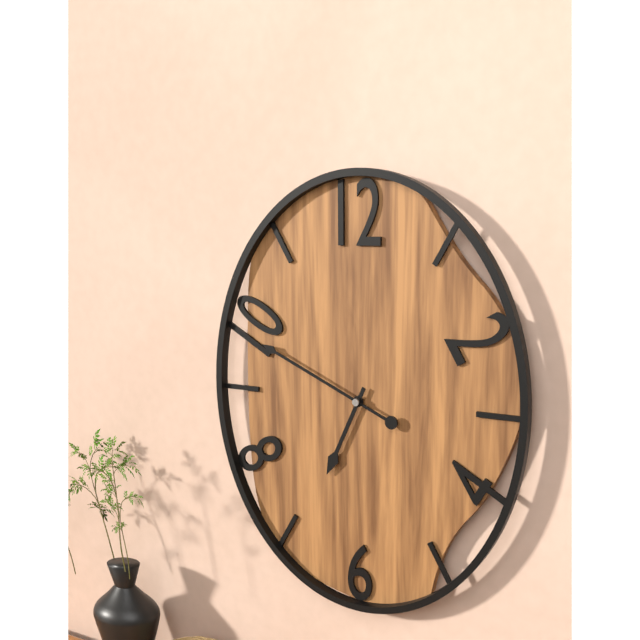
6,49
